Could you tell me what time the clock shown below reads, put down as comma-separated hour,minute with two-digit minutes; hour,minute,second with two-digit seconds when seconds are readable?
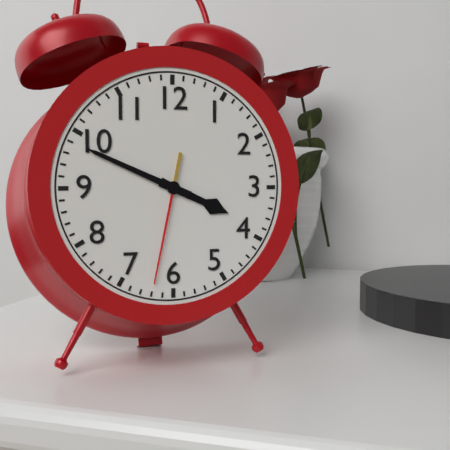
3,49,32
